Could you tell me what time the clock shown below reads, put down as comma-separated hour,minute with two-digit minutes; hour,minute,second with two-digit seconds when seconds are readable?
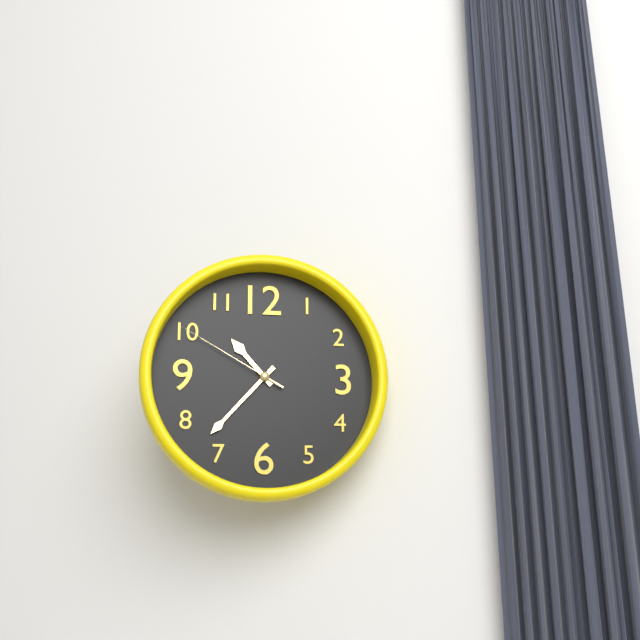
10,37,50
